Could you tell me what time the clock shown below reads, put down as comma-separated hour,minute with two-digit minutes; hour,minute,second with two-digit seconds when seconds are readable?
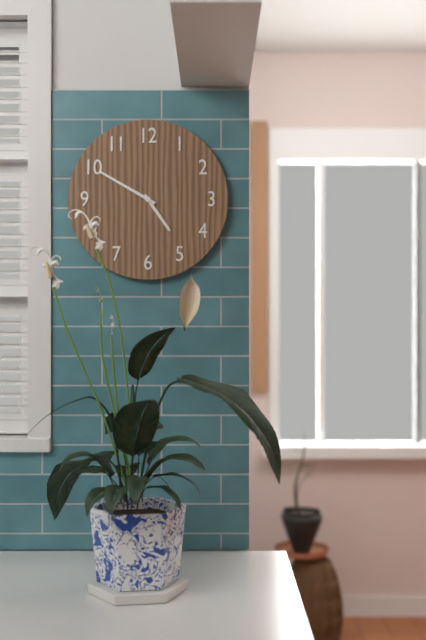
4,50
